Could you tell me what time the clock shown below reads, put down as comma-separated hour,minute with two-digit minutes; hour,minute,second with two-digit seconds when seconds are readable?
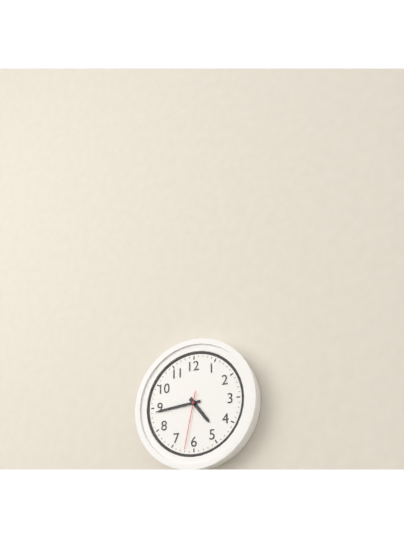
4,44,32
